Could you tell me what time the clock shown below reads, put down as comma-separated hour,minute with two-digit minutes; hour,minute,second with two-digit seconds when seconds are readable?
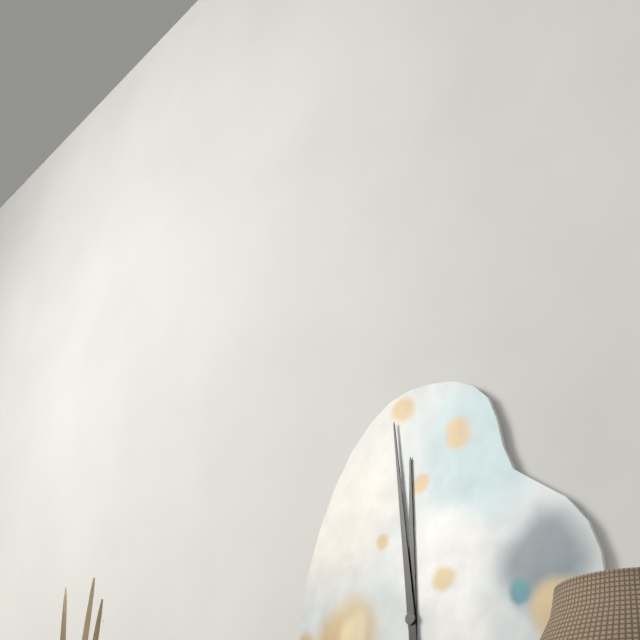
11,59
